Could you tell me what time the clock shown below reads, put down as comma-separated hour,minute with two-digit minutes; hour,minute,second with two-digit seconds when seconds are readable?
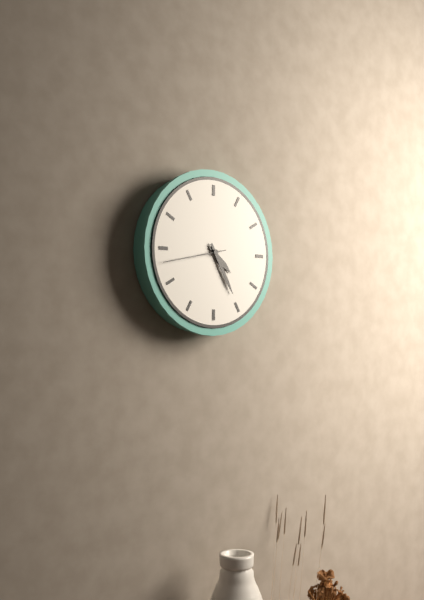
4,25,43
